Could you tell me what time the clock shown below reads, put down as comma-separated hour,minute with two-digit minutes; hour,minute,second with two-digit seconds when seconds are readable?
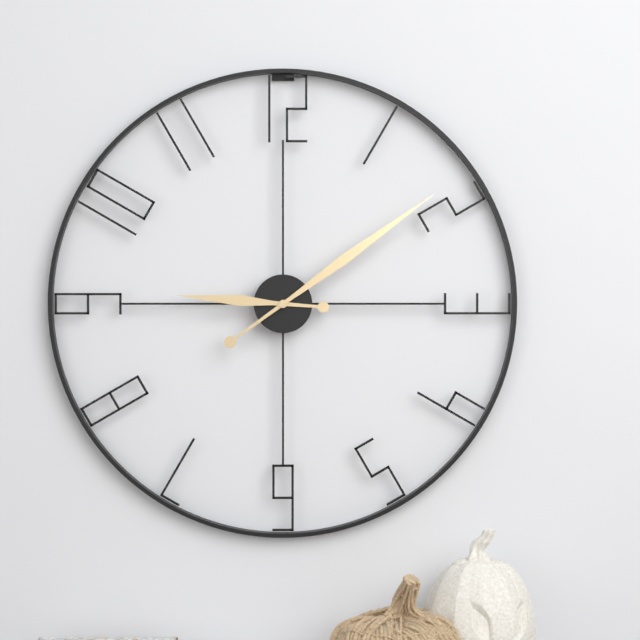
9,09
